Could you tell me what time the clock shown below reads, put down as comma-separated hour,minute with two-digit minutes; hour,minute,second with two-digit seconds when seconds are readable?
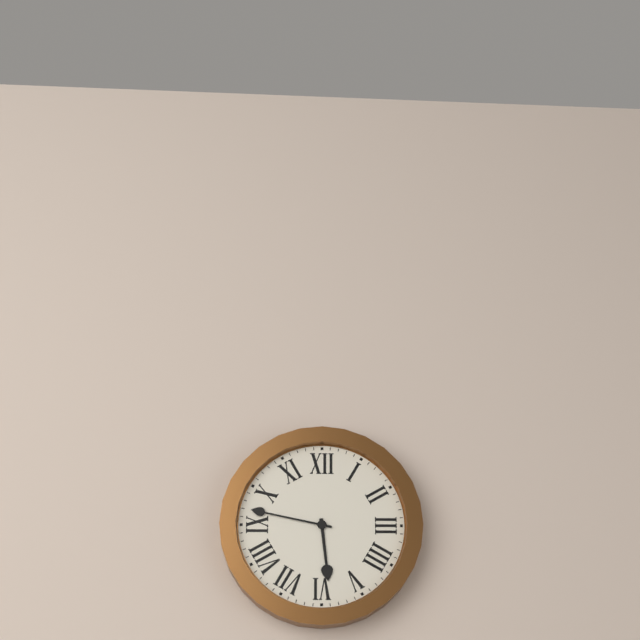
5,47
